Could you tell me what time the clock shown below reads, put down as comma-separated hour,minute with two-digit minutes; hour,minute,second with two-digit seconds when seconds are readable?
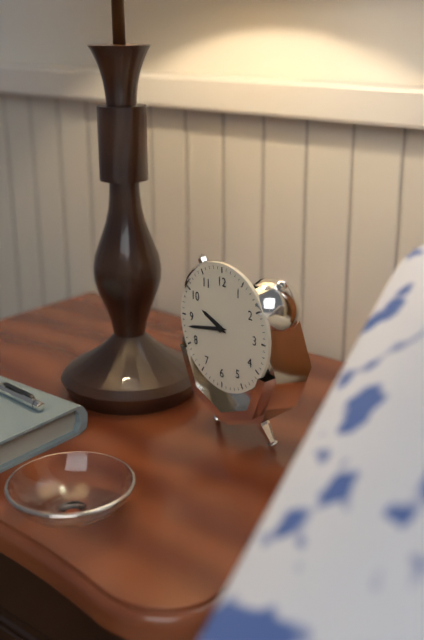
9,43
